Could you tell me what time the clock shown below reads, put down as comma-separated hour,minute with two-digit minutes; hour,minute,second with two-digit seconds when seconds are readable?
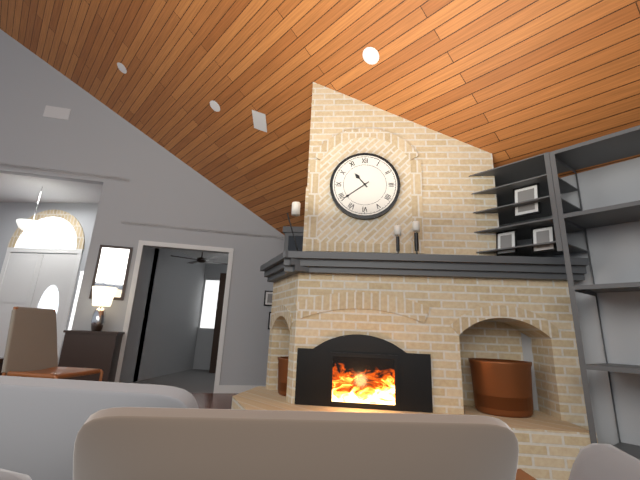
10,39
